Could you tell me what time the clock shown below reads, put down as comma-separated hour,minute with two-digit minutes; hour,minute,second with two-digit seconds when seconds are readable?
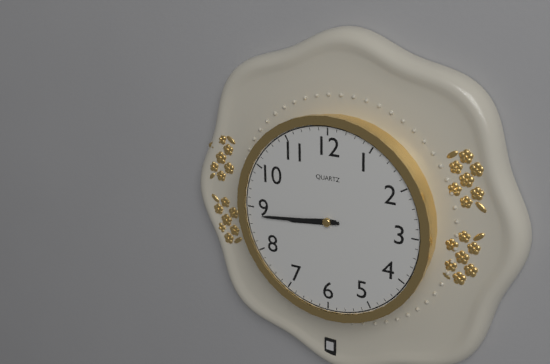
8,44
